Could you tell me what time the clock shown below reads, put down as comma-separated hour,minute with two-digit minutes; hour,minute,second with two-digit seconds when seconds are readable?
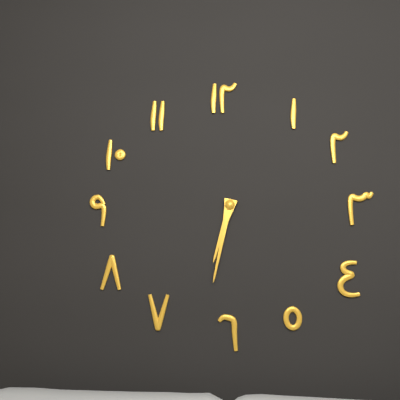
6,32
